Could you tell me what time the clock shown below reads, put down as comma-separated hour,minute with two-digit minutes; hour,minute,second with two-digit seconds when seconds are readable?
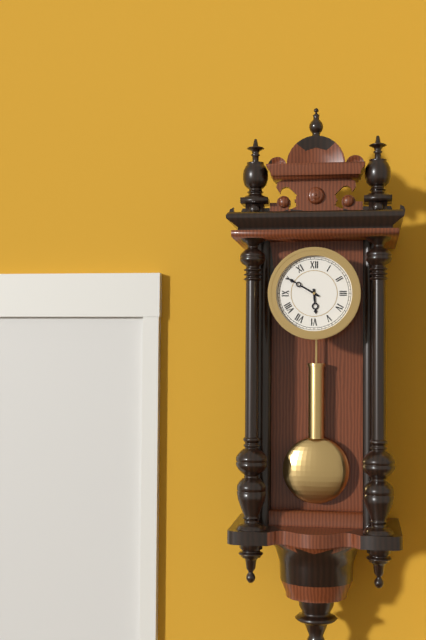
5,50
